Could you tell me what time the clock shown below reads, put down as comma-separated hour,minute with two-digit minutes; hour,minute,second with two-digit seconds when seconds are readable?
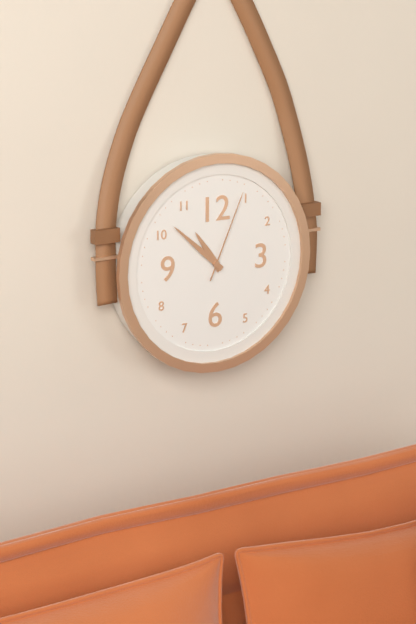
10,52,04
